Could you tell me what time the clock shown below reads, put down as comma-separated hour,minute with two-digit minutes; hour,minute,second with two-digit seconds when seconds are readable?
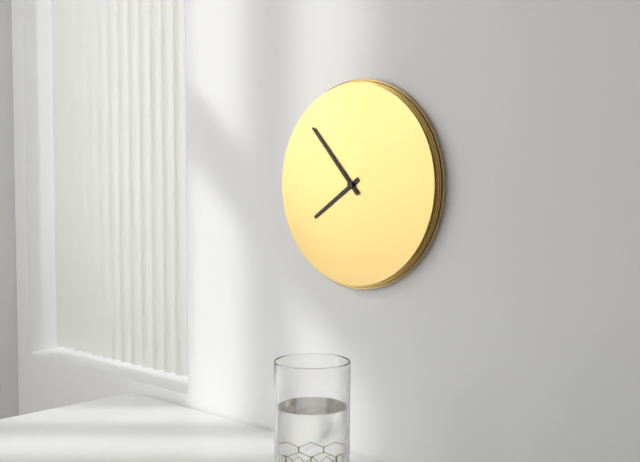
7,53
